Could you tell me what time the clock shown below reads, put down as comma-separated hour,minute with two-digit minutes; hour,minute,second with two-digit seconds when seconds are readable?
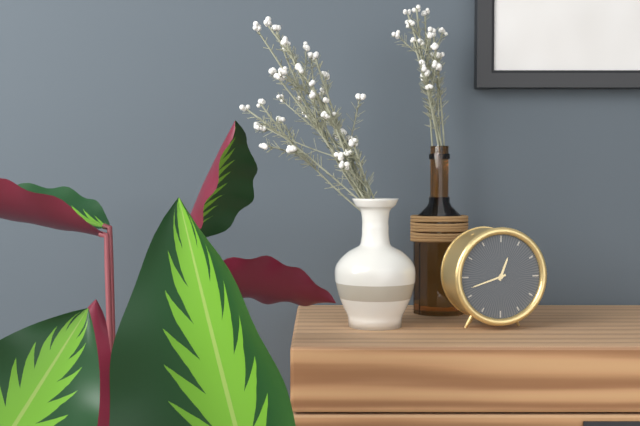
12,42
